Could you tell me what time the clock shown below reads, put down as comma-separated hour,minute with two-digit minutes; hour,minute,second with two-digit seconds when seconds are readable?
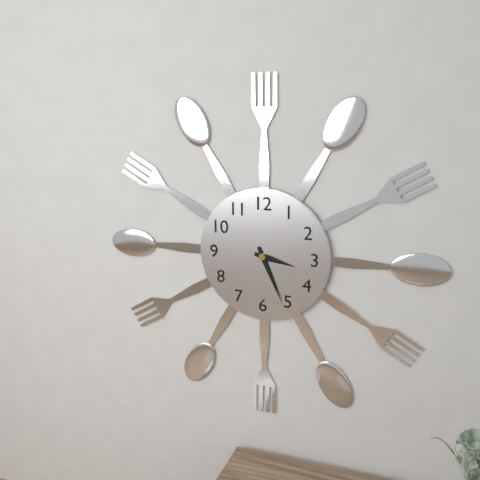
3,26
